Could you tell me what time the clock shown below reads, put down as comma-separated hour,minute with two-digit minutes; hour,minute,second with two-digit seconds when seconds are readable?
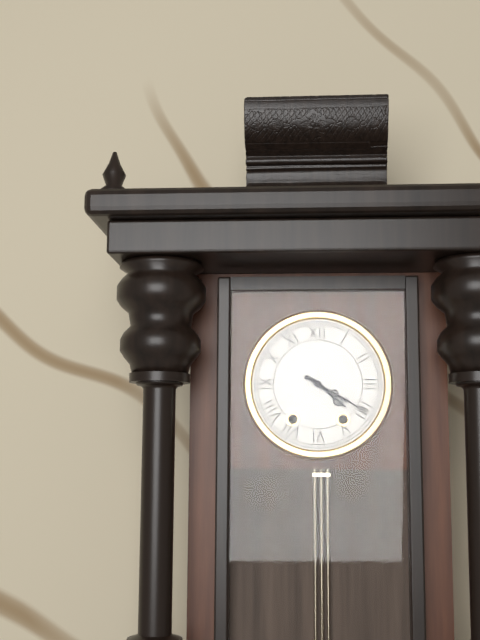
4,20
